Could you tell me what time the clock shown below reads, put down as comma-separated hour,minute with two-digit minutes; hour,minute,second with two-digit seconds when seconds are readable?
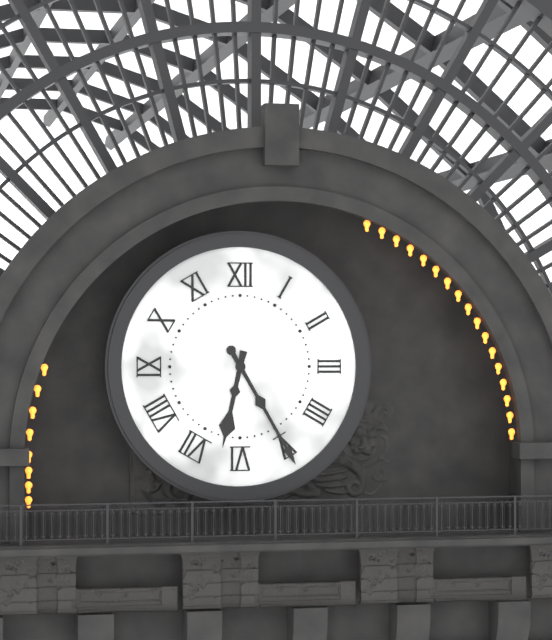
6,25
